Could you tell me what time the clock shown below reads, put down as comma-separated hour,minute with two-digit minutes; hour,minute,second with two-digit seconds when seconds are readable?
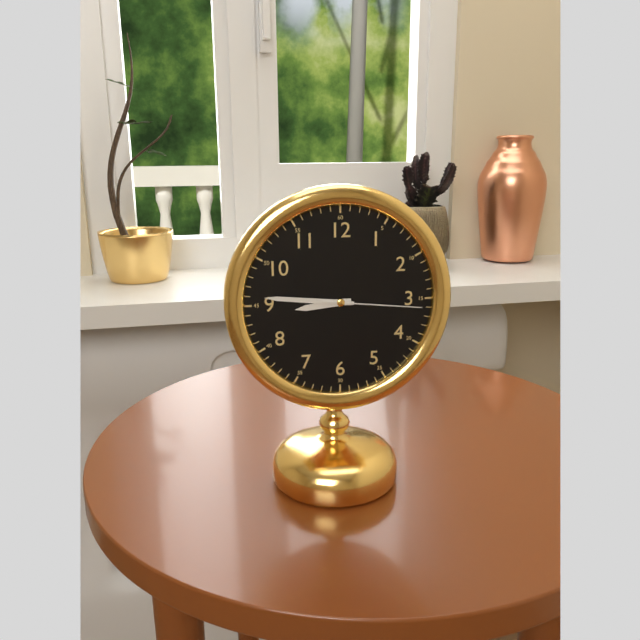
8,46,16
